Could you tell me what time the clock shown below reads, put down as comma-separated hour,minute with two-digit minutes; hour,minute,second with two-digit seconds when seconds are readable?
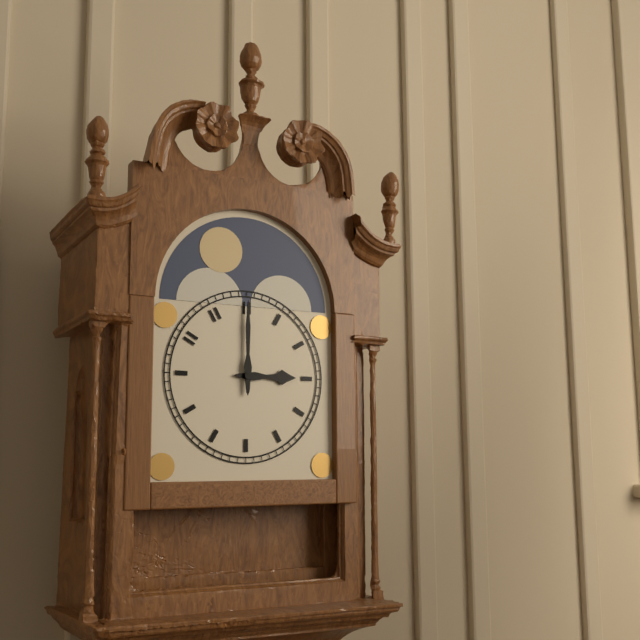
3,00
